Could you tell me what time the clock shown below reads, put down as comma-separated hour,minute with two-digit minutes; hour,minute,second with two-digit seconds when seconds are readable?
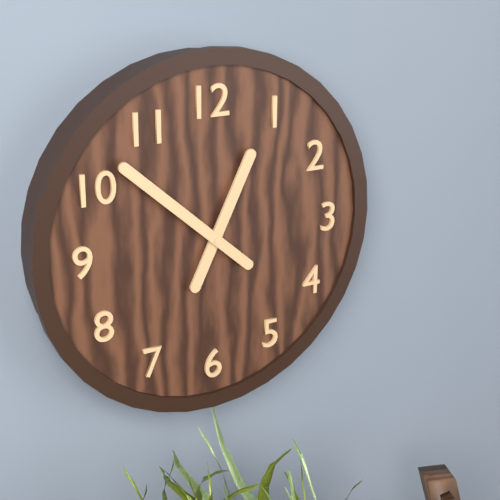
12,52
